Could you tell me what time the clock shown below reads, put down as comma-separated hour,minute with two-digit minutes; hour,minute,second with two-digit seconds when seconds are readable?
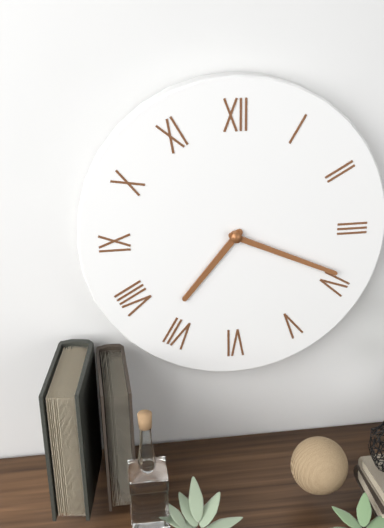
7,19
